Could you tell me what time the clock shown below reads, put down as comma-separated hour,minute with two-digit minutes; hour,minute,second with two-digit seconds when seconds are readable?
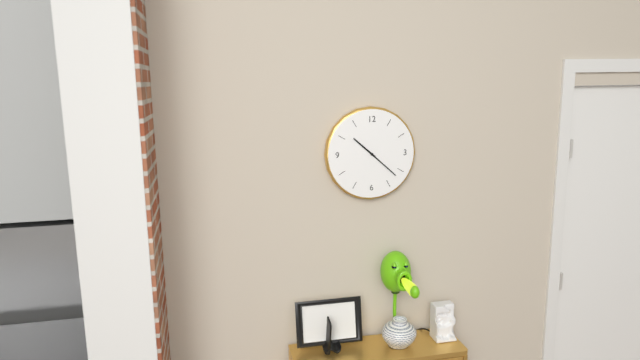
10,22
